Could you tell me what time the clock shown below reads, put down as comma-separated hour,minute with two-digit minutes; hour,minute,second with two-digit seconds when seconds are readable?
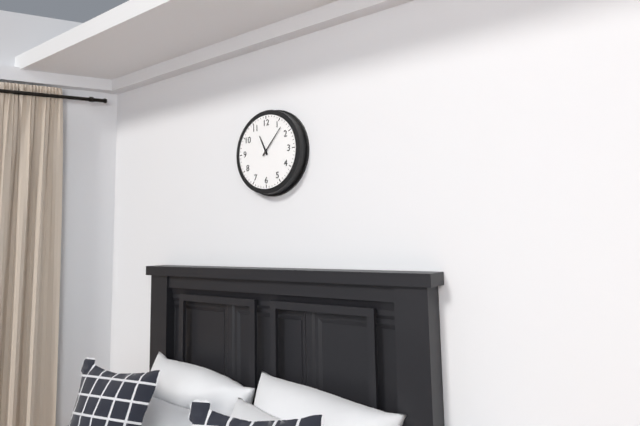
11,07
